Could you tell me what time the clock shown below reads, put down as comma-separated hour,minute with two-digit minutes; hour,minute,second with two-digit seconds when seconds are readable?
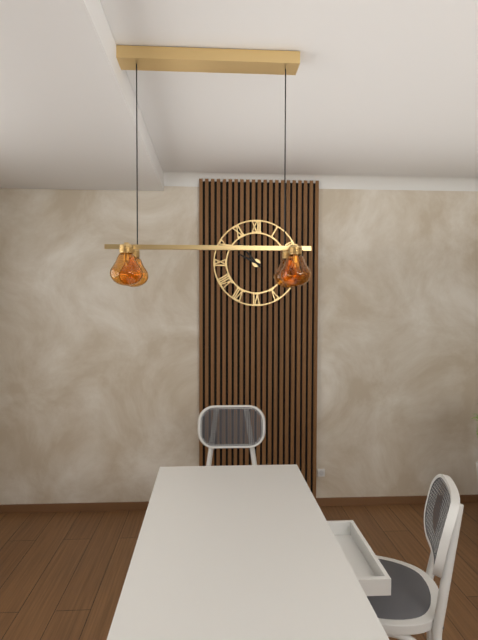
9,53
